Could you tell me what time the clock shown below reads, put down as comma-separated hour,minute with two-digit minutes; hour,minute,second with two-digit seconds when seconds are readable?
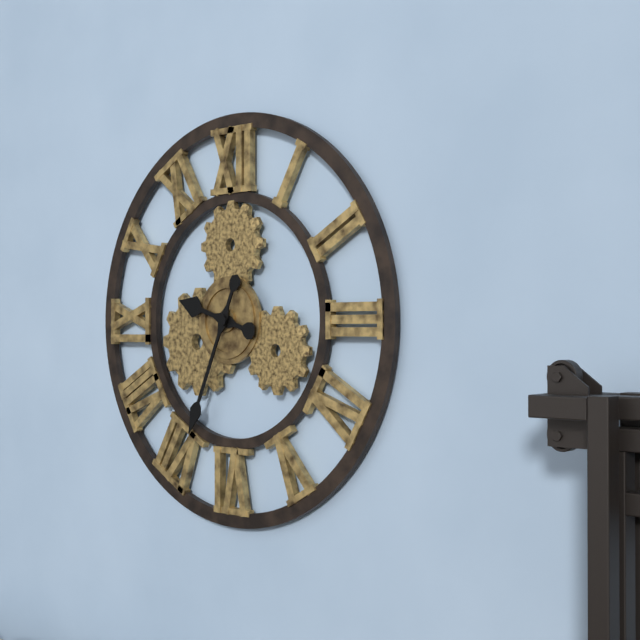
9,34
